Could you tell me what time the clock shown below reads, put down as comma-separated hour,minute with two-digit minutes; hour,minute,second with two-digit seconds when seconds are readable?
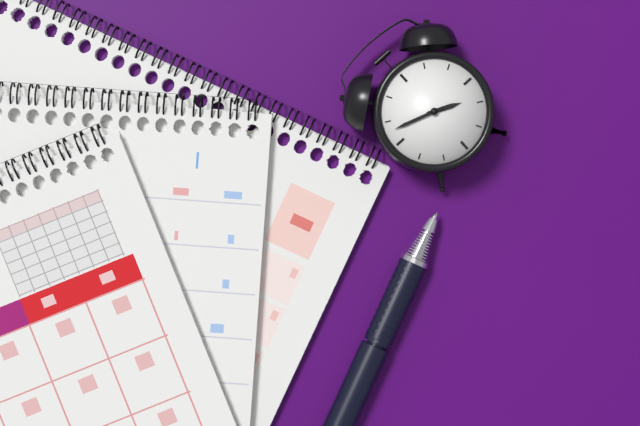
3,48
